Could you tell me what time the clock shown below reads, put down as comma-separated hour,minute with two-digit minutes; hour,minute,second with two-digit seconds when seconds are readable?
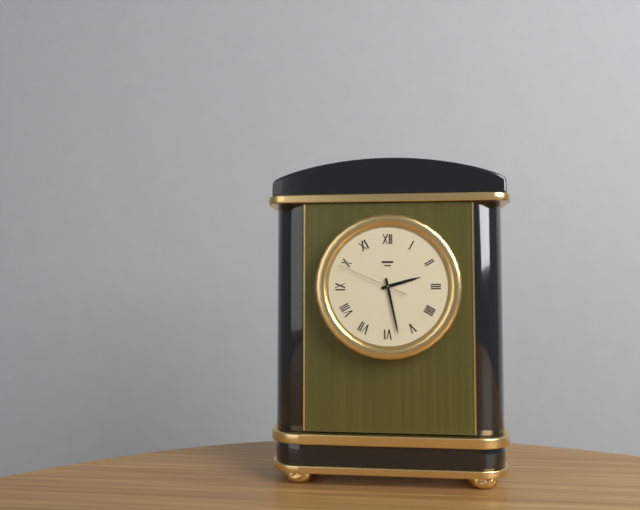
2,28,49
